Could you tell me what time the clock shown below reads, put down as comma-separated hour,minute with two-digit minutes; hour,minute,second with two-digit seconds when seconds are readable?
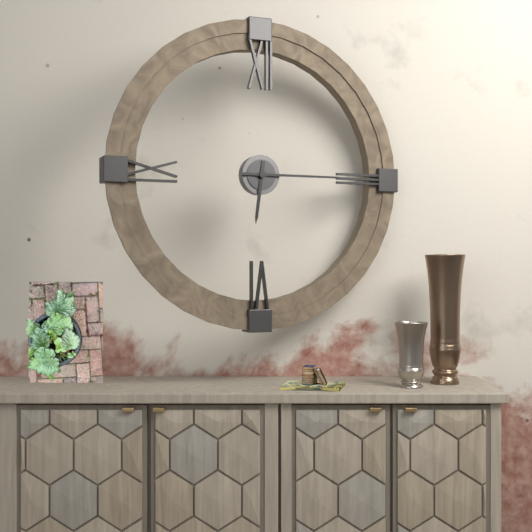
6,15
